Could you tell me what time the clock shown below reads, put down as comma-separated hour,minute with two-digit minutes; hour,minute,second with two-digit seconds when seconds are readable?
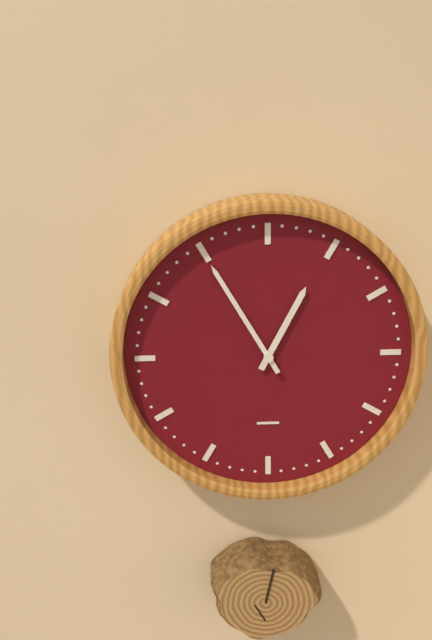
12,55
